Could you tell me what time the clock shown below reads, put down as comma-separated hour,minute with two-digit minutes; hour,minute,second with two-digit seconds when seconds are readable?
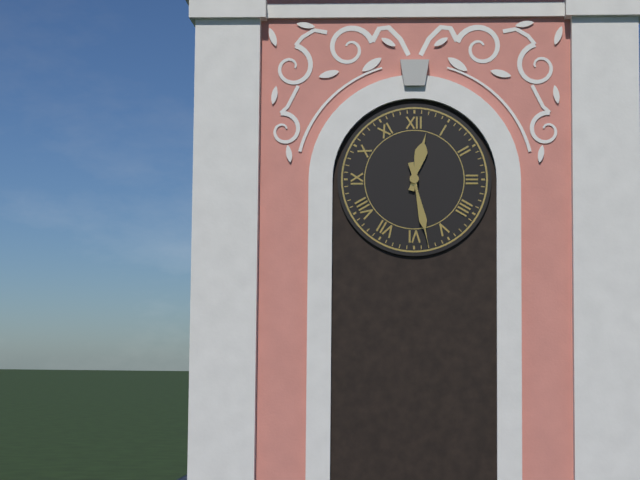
12,28
